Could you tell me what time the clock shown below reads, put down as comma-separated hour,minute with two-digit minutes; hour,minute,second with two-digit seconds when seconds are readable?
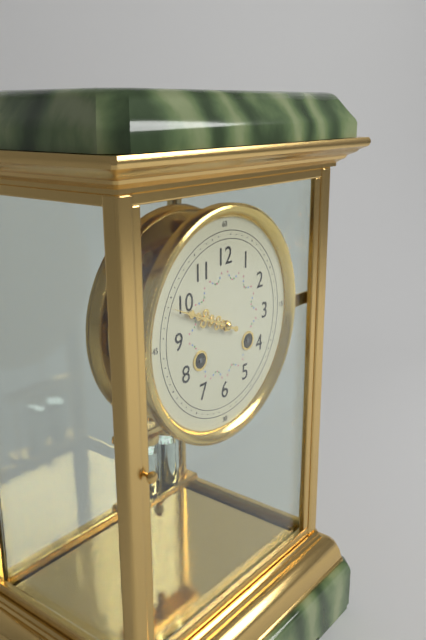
9,49
